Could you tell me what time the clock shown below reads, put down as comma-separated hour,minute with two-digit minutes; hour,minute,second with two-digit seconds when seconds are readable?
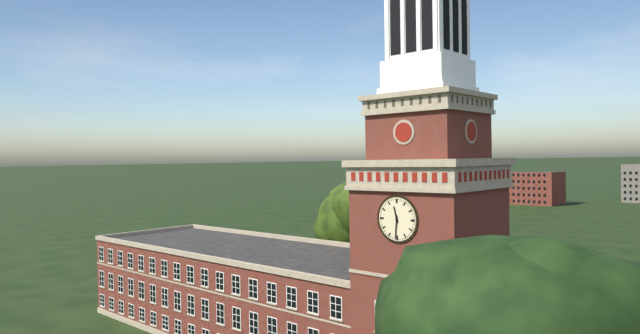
11,31
